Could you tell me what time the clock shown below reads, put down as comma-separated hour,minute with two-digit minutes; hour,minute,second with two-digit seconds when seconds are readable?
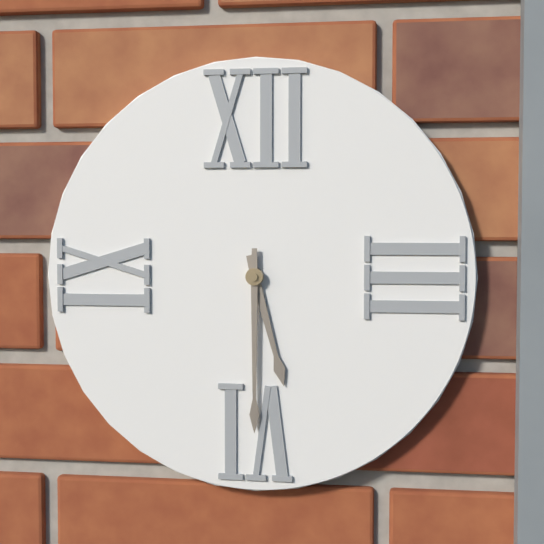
5,30
